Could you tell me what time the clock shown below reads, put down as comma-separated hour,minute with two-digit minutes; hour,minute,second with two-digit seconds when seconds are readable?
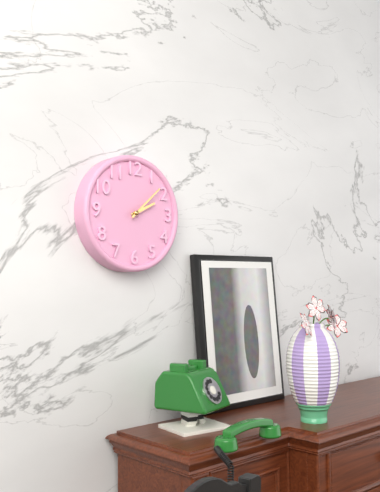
2,08
